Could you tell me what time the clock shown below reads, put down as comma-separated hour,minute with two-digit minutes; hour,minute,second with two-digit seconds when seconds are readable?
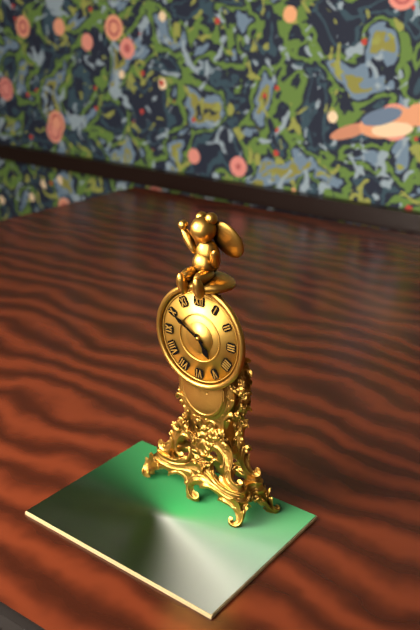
4,50
